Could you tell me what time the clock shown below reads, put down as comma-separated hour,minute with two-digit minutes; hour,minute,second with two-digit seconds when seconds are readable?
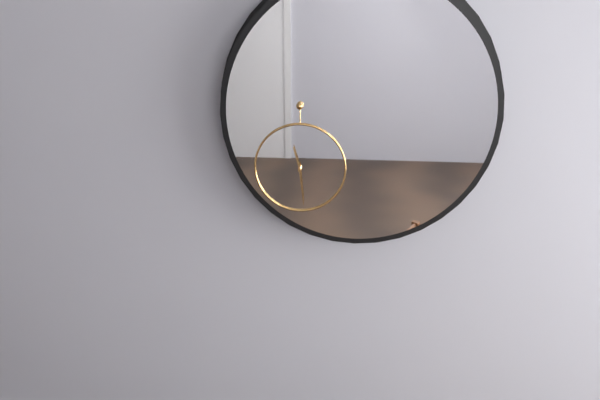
11,29
